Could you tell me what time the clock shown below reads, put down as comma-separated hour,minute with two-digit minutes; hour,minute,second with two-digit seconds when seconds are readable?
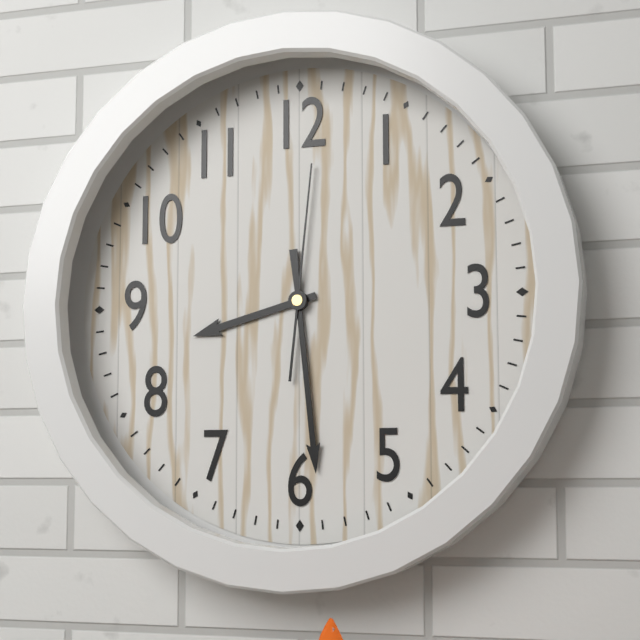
8,29,01
